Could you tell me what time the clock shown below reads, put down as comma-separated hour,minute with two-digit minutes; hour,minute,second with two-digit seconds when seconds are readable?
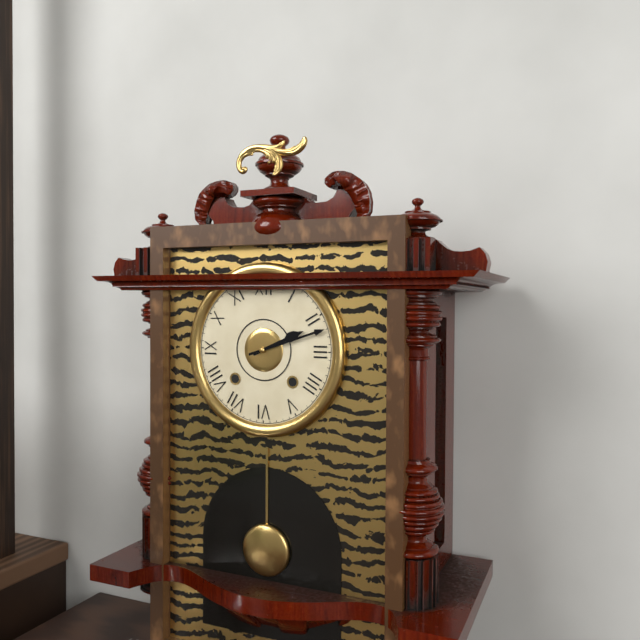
2,12
